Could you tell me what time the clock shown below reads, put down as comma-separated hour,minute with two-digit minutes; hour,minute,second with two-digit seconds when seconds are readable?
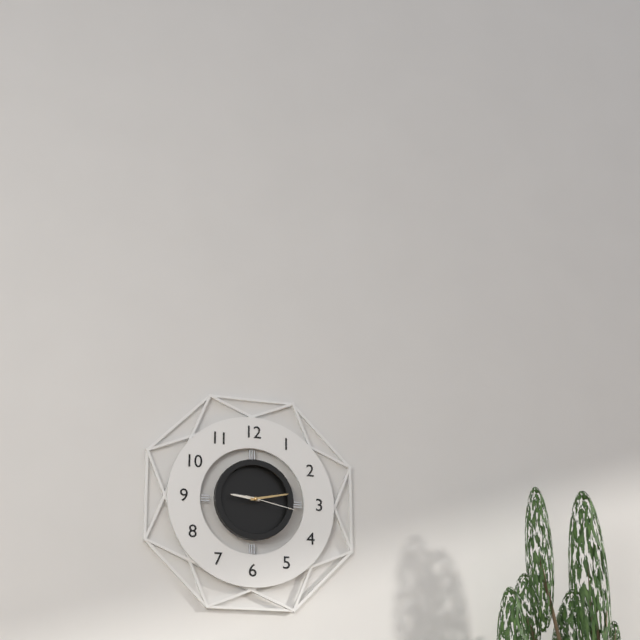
9,13,17
